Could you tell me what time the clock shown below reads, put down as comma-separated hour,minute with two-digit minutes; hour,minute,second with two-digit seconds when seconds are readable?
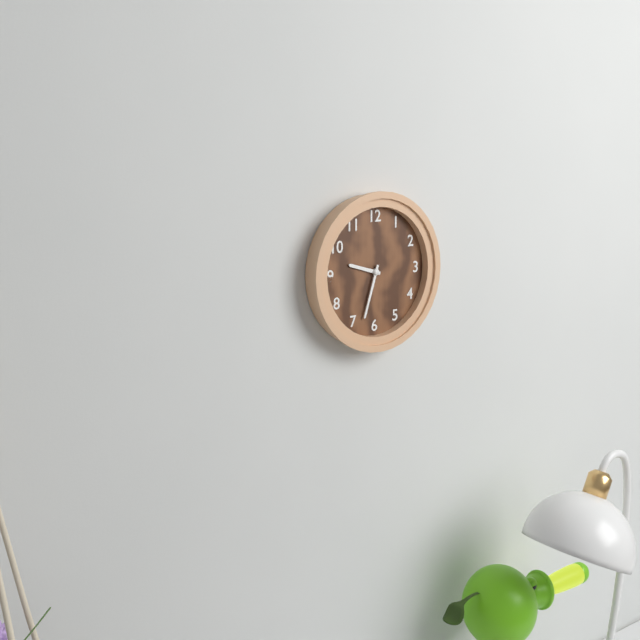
9,33
